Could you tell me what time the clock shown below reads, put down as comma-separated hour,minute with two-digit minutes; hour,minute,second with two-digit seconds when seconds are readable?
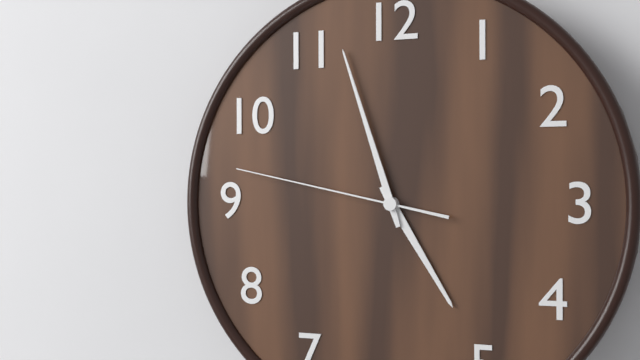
4,57,47
